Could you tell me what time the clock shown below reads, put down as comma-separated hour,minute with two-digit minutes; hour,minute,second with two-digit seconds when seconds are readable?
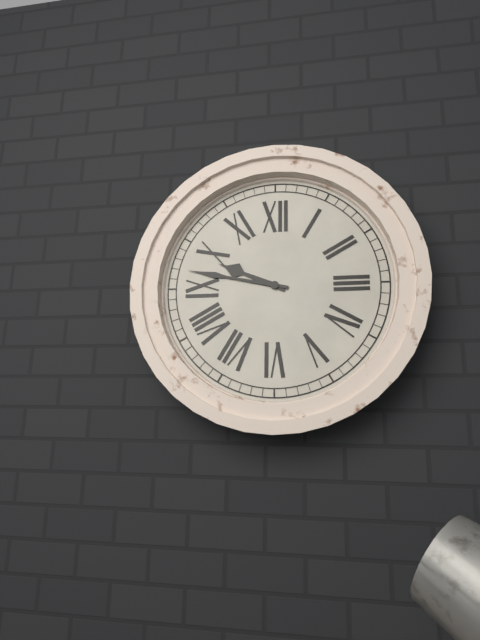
9,47
